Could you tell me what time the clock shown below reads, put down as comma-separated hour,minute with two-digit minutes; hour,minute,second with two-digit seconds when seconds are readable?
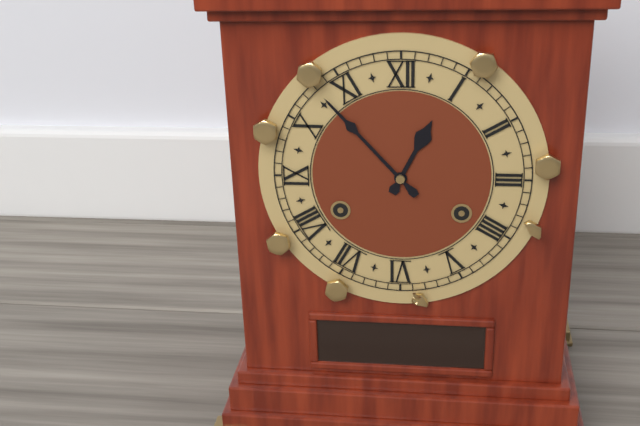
12,53
